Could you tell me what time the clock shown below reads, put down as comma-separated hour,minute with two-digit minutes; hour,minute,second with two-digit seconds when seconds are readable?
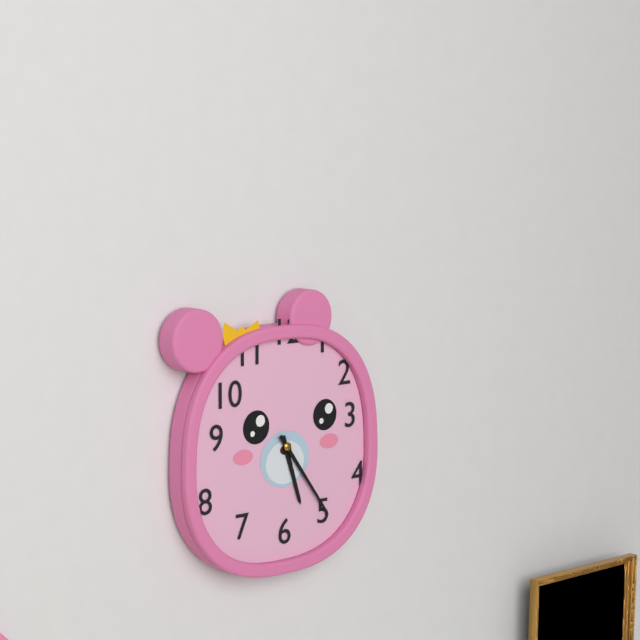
5,24
